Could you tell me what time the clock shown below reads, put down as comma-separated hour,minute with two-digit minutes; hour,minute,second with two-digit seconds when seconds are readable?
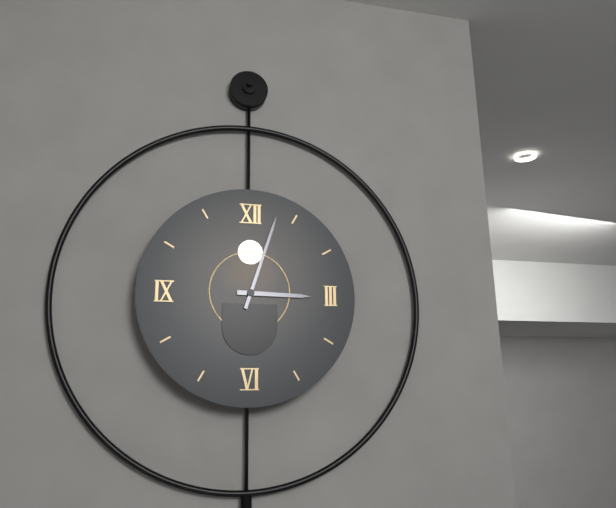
3,03
